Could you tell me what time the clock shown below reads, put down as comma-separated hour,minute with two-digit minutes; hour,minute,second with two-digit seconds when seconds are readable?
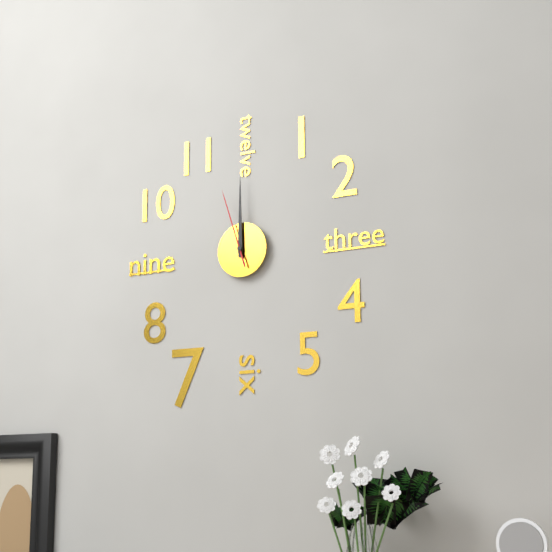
12,00,57
